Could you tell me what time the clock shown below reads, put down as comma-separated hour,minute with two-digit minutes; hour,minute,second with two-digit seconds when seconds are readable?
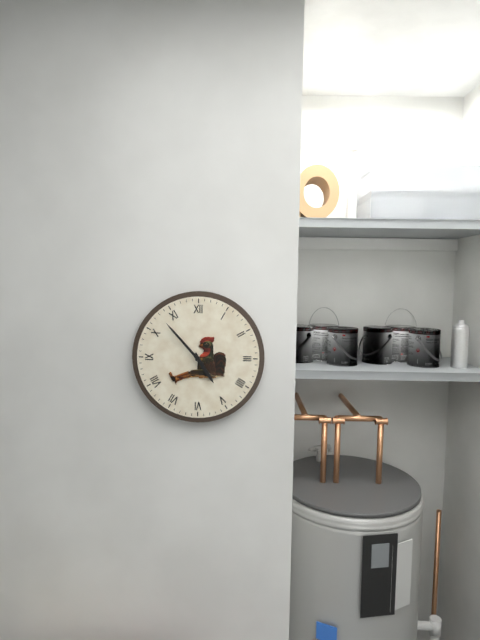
4,53
